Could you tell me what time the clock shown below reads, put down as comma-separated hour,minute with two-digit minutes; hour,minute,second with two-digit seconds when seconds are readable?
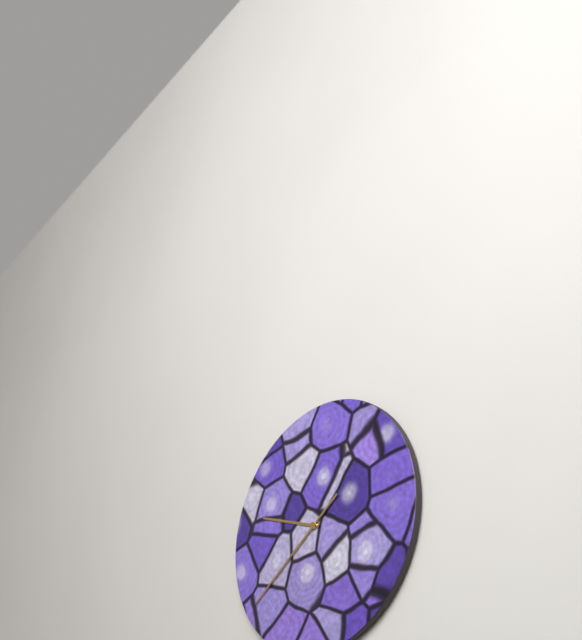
9,39
